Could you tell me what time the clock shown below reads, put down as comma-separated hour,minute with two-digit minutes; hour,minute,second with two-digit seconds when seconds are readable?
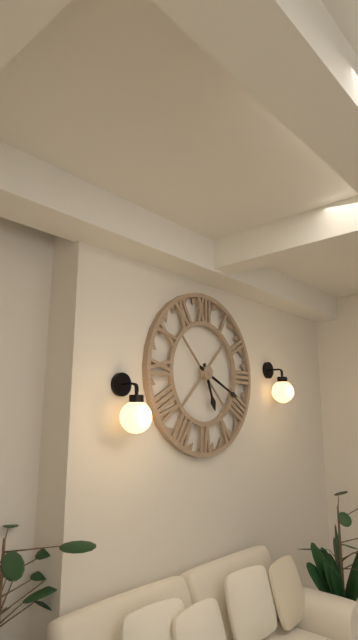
5,19
